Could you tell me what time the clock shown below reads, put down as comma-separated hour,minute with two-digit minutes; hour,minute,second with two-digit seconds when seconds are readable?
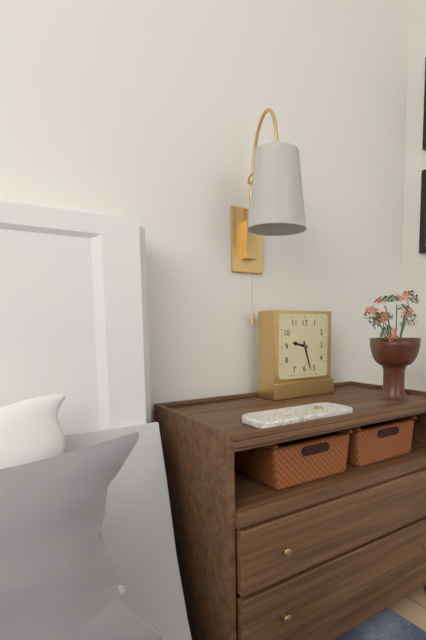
9,27
